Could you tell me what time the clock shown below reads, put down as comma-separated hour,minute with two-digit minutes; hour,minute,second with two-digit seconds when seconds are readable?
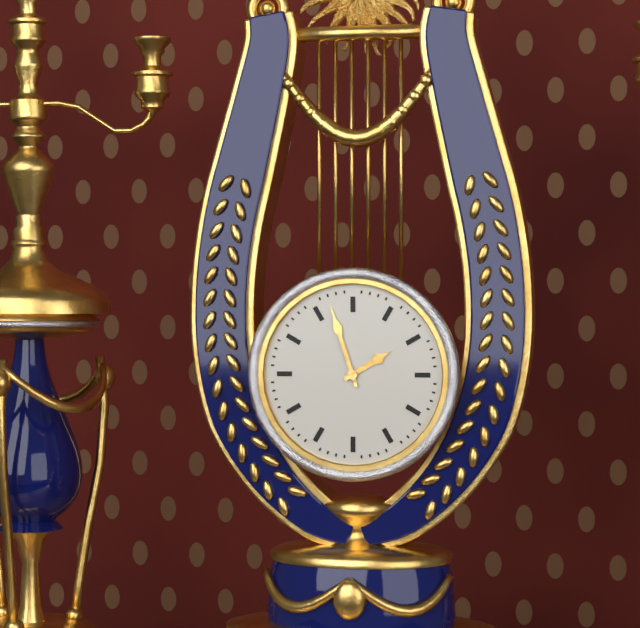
1,57
